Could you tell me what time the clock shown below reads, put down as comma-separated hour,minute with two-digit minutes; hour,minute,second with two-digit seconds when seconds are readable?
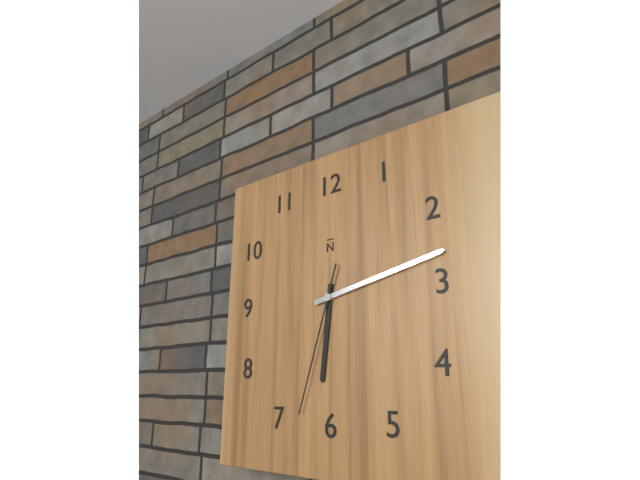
6,13,33
